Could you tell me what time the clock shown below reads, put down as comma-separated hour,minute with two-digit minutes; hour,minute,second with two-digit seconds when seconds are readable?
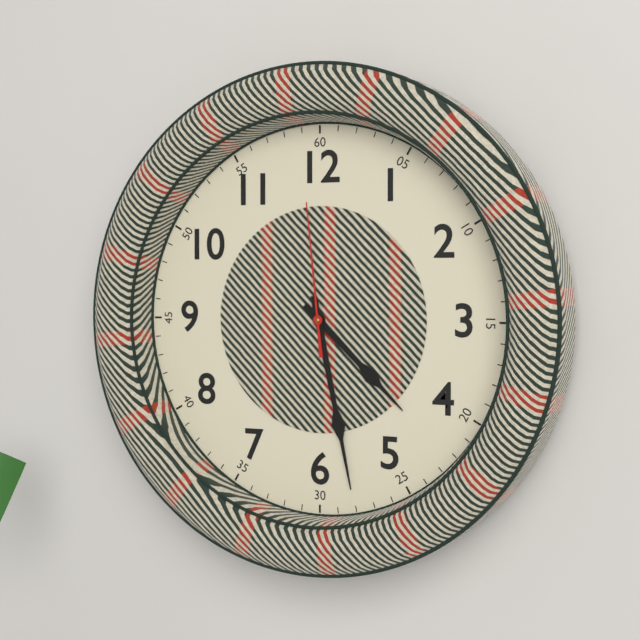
4,28,59
